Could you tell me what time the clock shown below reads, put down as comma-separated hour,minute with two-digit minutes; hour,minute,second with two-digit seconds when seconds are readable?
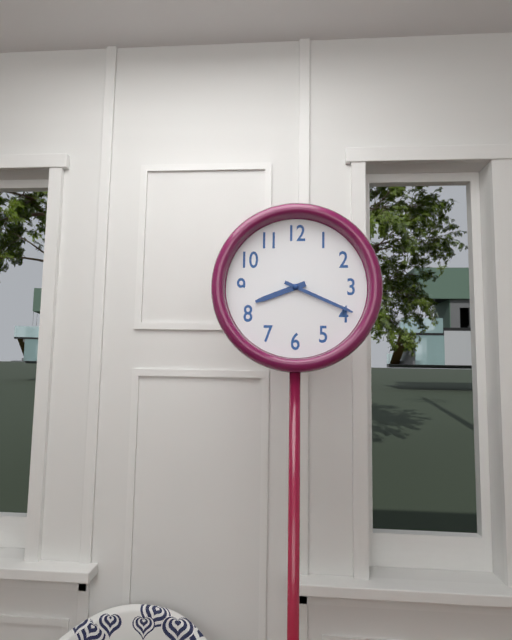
8,19
